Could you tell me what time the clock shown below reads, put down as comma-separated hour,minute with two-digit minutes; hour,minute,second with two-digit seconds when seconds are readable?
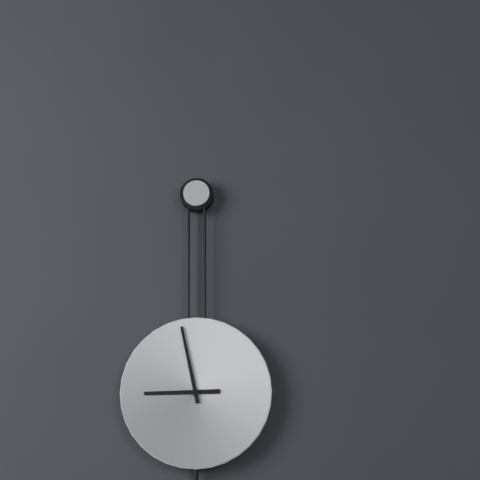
8,58
